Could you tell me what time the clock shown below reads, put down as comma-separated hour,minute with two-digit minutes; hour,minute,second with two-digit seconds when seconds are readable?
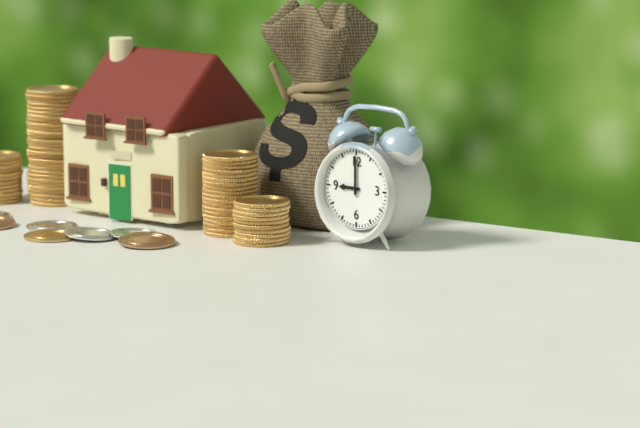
9,00
